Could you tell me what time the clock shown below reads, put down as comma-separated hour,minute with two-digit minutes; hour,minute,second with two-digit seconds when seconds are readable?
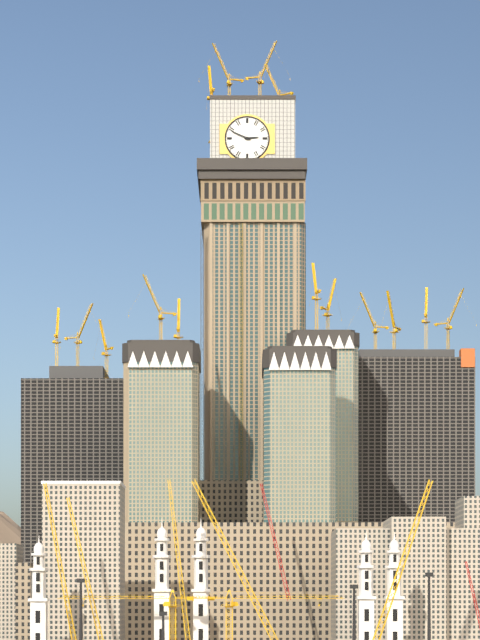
2,49
